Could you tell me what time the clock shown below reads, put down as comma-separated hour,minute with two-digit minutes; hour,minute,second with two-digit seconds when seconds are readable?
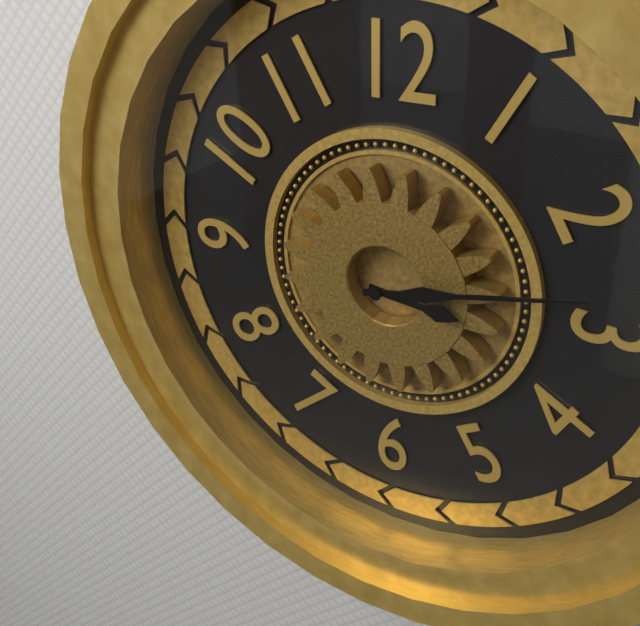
3,13
